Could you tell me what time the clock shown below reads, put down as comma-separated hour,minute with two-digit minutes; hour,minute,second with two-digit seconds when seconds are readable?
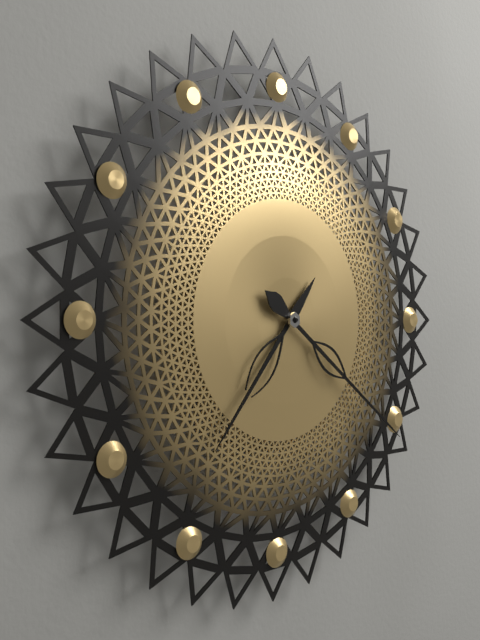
7,21
